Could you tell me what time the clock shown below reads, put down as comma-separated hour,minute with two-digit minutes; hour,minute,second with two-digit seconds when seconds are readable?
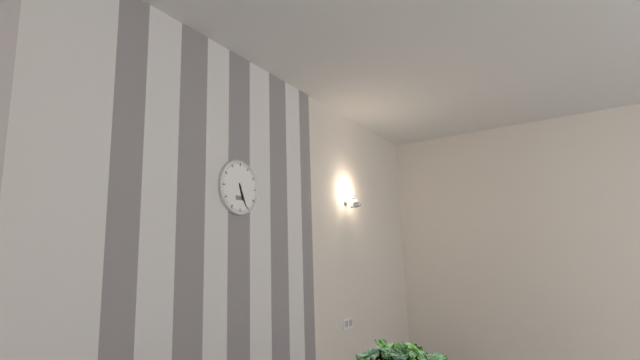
5,26
